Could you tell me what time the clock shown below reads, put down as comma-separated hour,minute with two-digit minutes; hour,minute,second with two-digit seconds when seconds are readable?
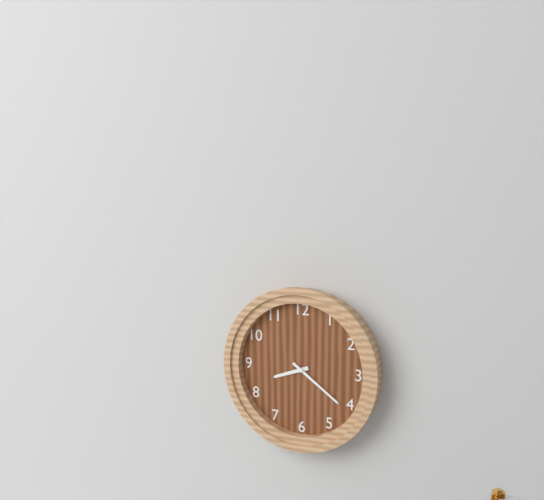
8,21
